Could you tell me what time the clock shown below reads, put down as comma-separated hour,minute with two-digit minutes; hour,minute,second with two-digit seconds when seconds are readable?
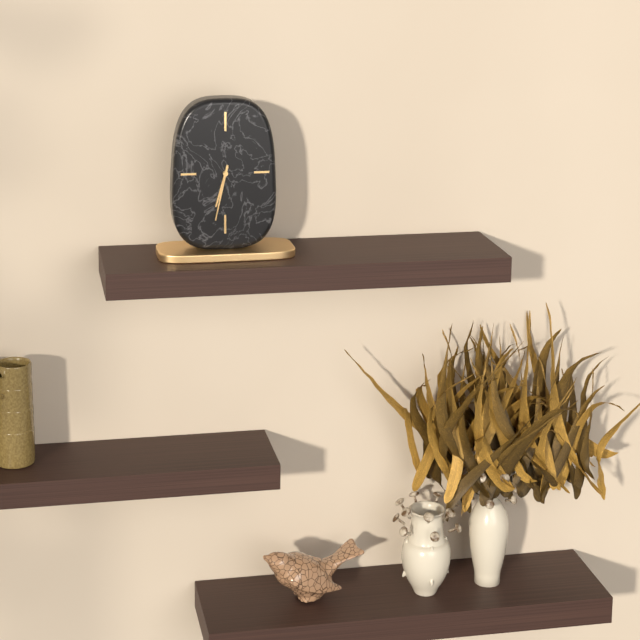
6,32
